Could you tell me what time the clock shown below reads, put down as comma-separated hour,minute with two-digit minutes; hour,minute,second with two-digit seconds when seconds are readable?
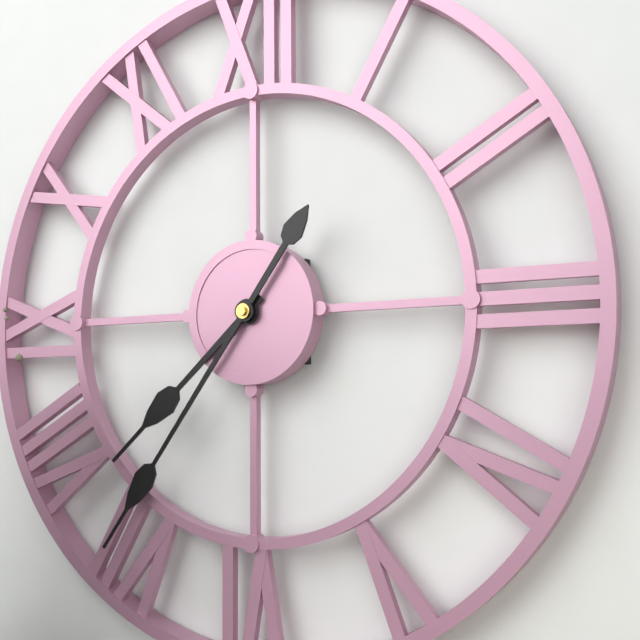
7,36
